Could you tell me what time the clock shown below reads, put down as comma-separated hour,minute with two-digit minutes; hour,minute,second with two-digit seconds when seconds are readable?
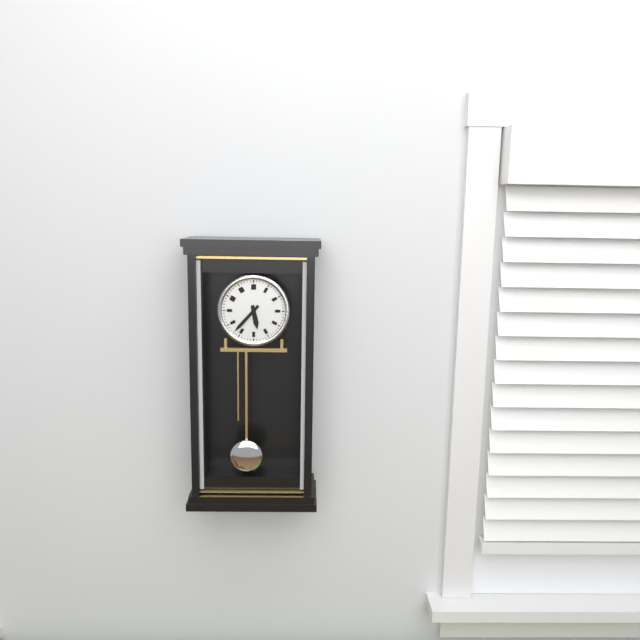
5,37
